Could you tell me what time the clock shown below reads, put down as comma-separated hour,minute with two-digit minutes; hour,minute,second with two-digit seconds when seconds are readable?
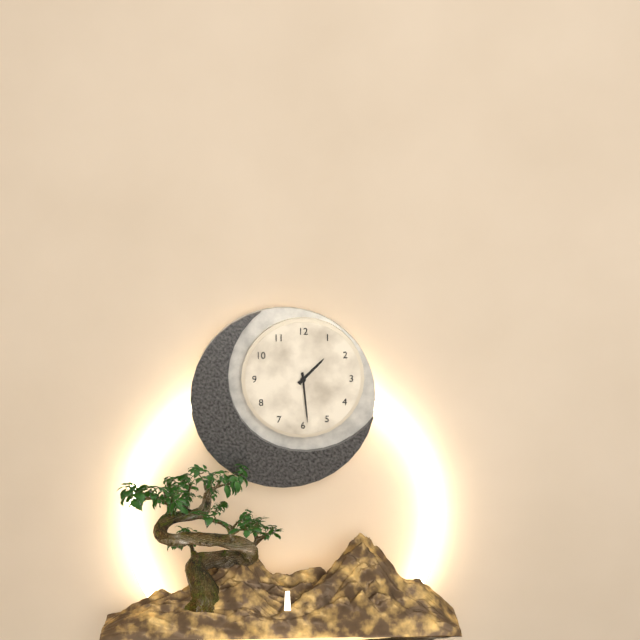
1,29
